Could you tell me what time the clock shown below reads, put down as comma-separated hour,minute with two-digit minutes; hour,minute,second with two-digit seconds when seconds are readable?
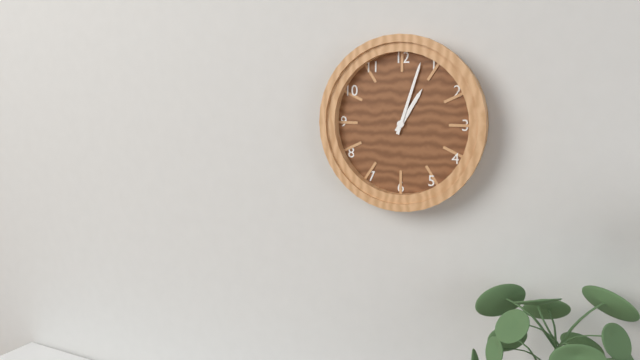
1,03
